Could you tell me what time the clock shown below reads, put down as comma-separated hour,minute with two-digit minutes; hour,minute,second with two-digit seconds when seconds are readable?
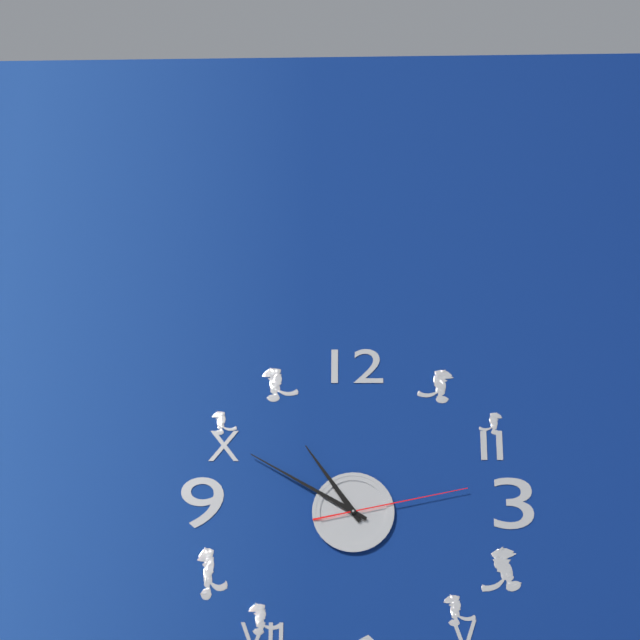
10,50,13
